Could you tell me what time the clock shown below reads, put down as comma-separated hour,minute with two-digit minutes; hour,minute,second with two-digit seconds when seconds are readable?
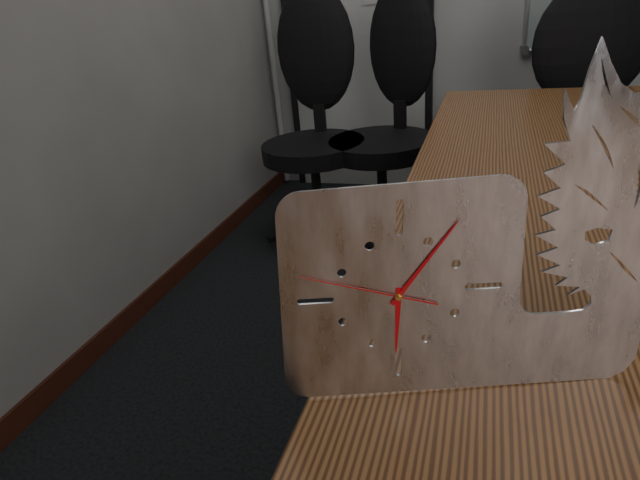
6,06,48
